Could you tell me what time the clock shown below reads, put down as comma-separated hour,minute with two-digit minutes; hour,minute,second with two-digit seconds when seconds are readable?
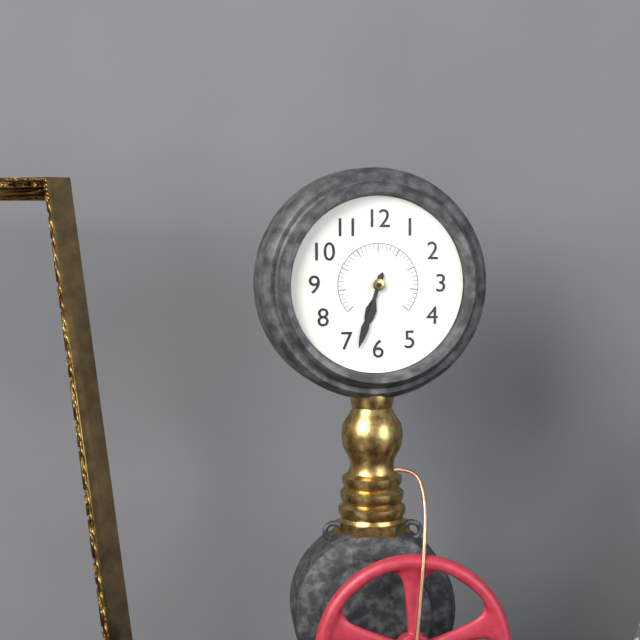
6,33
